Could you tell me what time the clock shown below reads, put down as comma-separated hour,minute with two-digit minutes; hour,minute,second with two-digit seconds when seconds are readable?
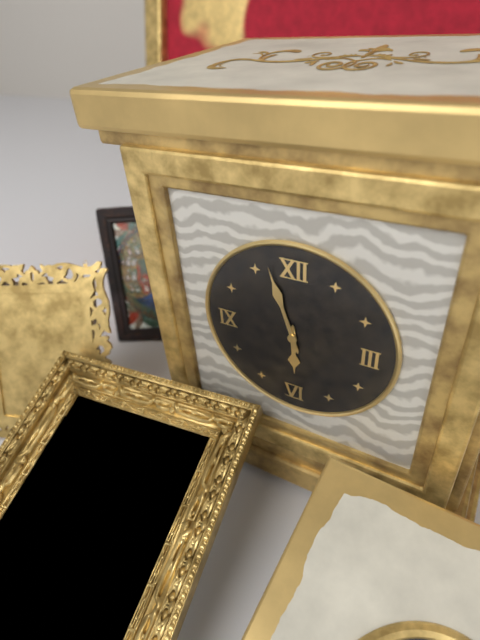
5,57
